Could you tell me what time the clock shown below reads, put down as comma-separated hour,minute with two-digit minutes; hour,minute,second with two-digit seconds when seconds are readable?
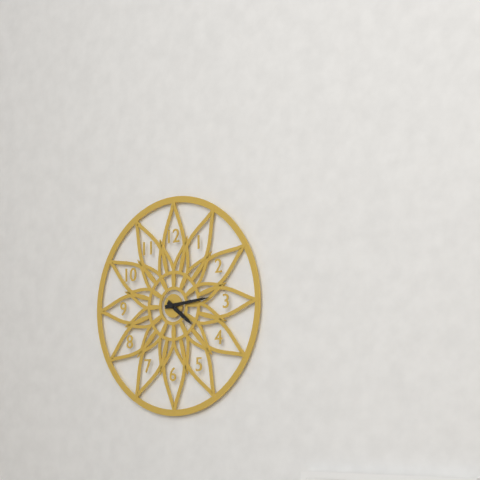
4,14
